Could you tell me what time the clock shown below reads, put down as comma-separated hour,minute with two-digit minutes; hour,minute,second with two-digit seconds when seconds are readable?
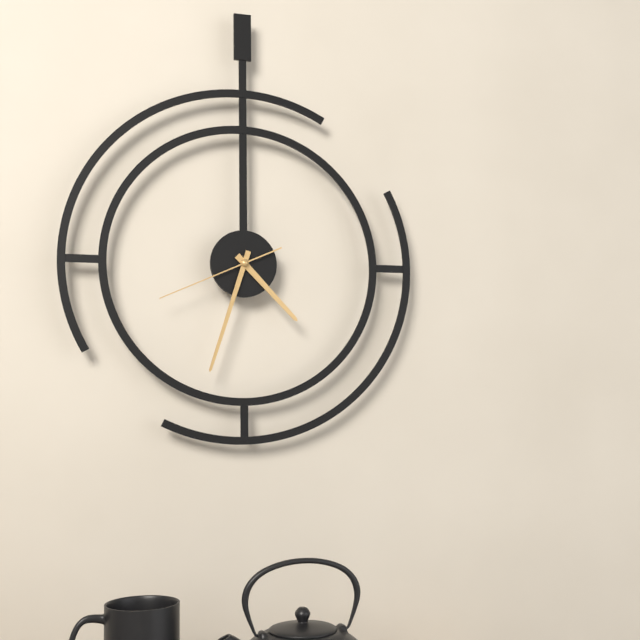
4,33,41
